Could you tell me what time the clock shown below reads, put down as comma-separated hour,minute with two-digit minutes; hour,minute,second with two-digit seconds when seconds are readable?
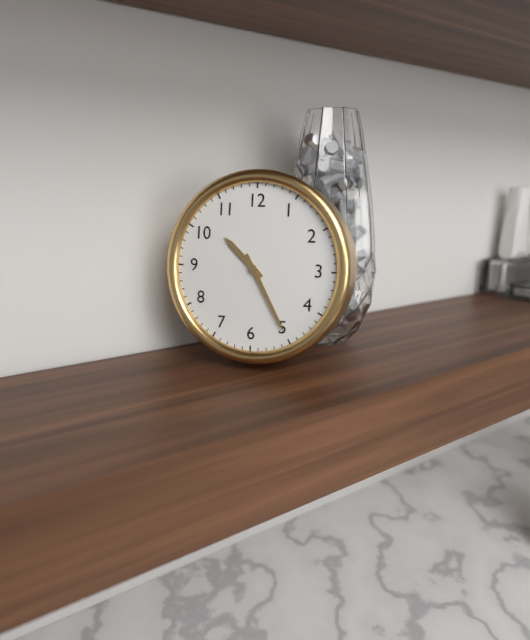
10,25
